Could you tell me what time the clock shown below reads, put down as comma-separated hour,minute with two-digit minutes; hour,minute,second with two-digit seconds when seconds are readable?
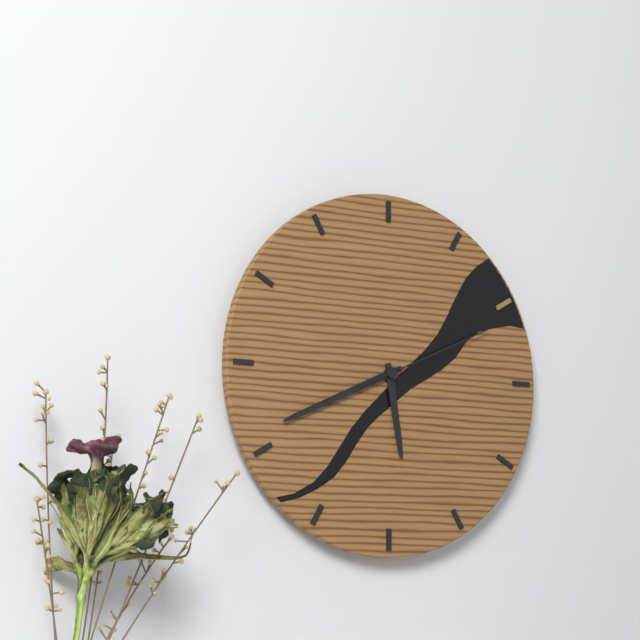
5,41,11
